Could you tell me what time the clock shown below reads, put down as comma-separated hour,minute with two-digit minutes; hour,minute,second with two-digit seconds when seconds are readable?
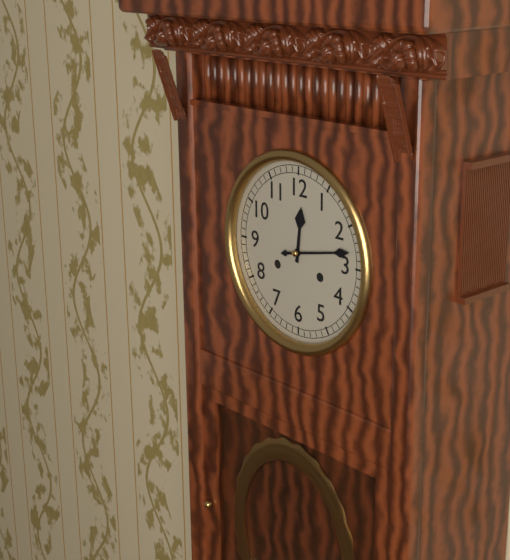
12,13
